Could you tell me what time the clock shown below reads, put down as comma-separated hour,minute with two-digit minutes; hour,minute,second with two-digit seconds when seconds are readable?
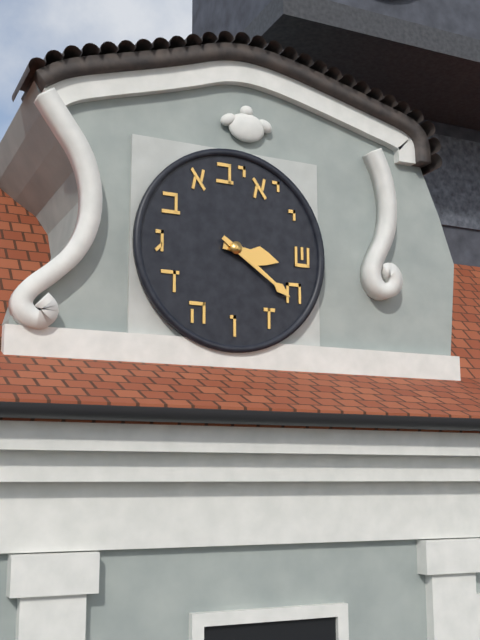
3,21
